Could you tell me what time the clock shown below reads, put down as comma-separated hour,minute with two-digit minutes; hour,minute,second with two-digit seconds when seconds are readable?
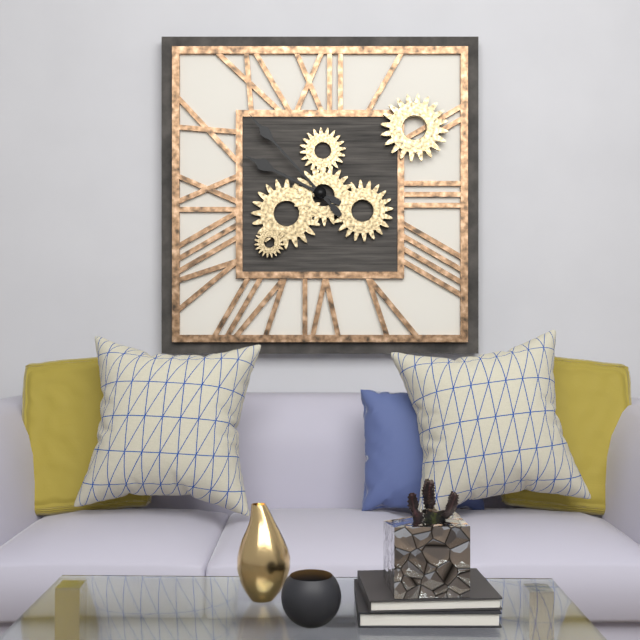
9,53
